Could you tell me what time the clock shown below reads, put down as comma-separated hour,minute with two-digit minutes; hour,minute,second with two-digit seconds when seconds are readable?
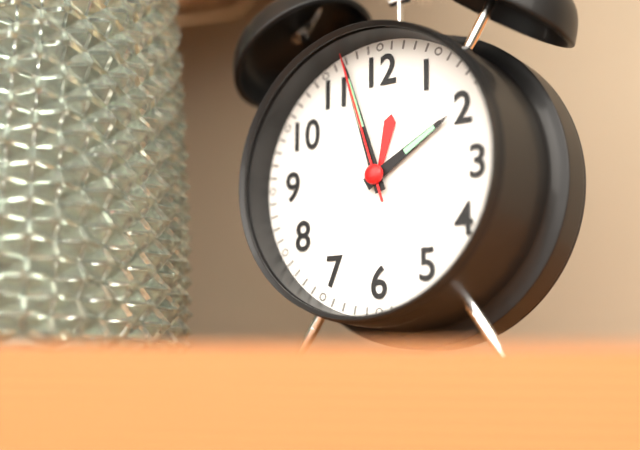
1,57,57
